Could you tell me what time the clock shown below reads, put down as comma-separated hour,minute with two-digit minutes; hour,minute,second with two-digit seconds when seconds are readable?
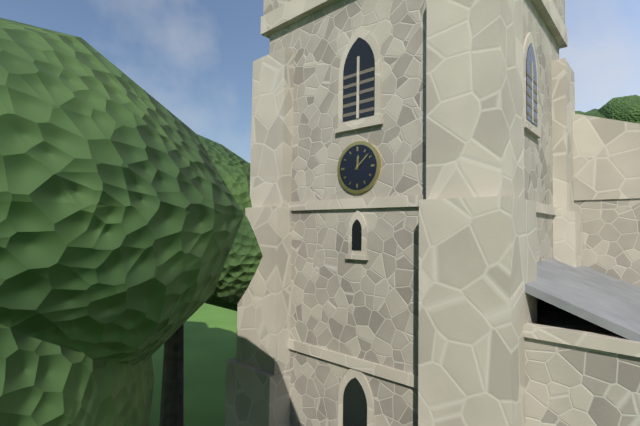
12,08
